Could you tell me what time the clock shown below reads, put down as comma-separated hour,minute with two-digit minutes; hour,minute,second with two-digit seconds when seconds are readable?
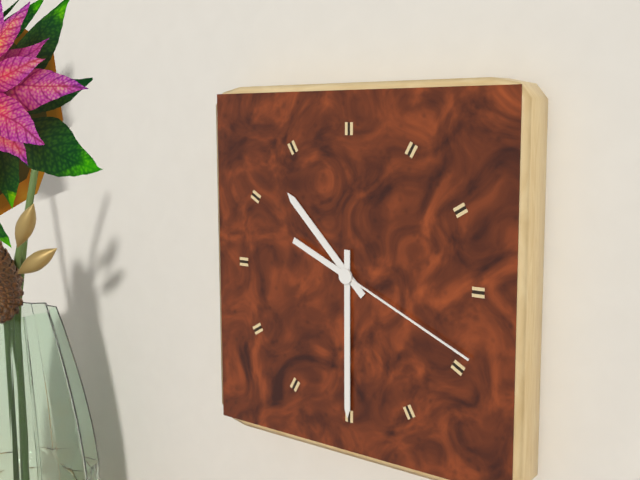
10,30,19
